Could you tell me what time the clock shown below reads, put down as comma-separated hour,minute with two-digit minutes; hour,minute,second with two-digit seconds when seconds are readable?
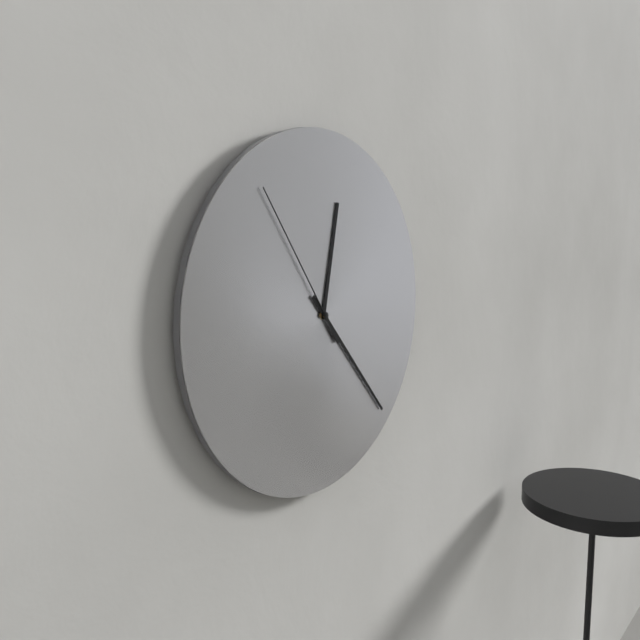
12,23,54
